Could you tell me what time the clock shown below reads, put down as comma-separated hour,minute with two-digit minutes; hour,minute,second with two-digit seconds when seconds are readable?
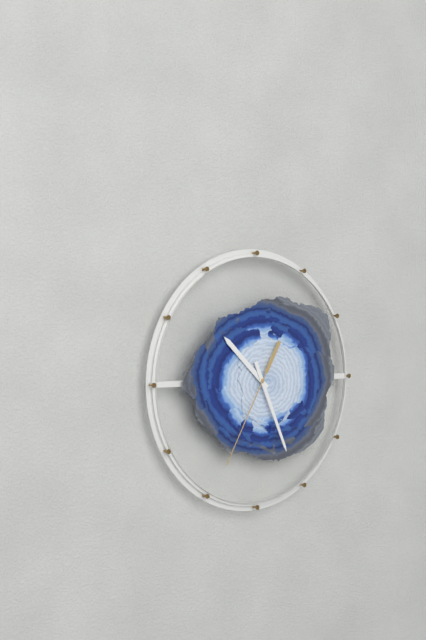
10,26,35
